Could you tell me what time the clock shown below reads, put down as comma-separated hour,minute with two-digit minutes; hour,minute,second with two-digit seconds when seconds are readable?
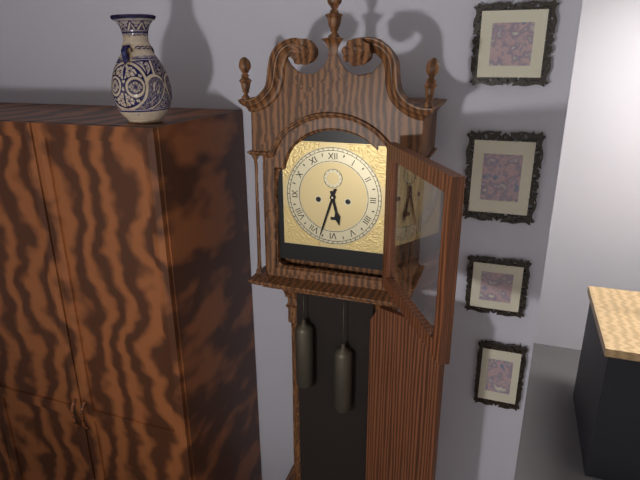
5,33
